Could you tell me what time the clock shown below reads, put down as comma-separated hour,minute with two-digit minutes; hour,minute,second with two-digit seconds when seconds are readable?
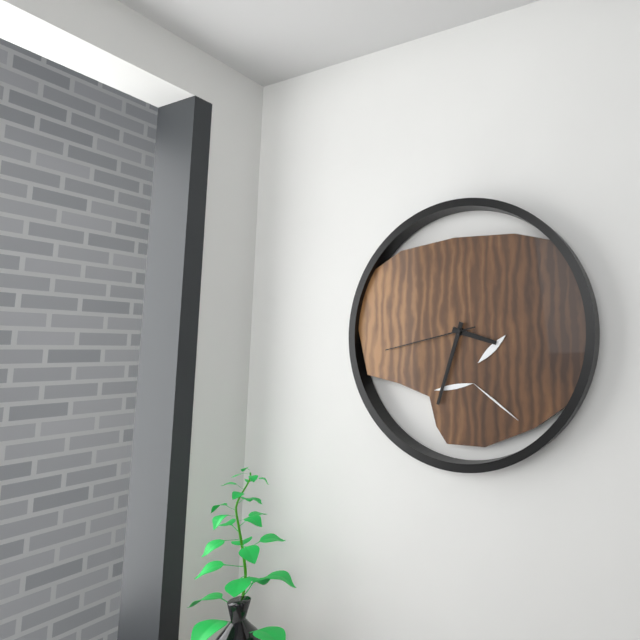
3,33,43
